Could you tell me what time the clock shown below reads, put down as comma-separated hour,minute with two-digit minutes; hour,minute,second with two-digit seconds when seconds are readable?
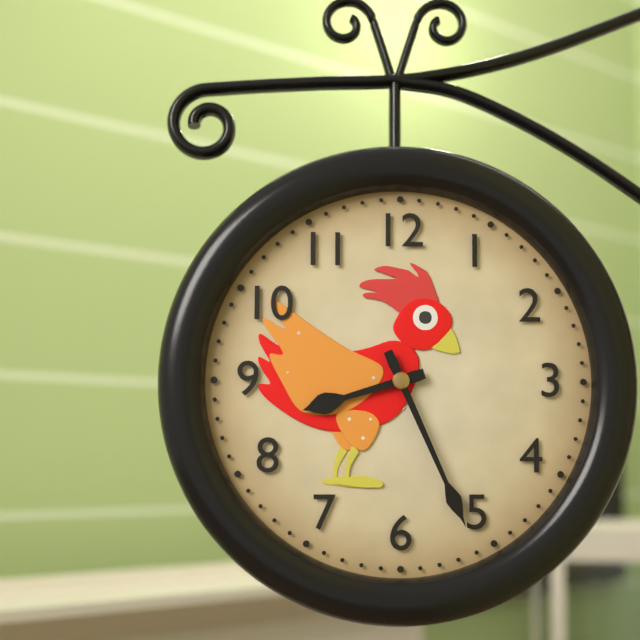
8,26
